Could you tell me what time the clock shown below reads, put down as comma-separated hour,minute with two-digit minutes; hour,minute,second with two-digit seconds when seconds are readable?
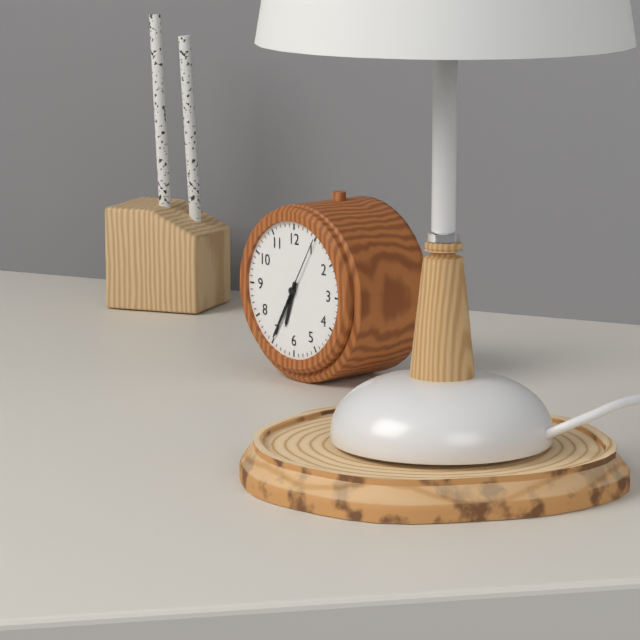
6,35,05
